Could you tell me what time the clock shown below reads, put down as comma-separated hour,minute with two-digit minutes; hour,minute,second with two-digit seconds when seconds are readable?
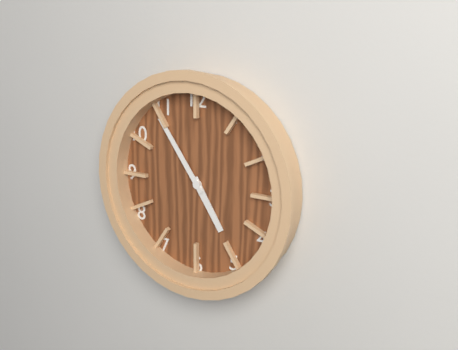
4,54
